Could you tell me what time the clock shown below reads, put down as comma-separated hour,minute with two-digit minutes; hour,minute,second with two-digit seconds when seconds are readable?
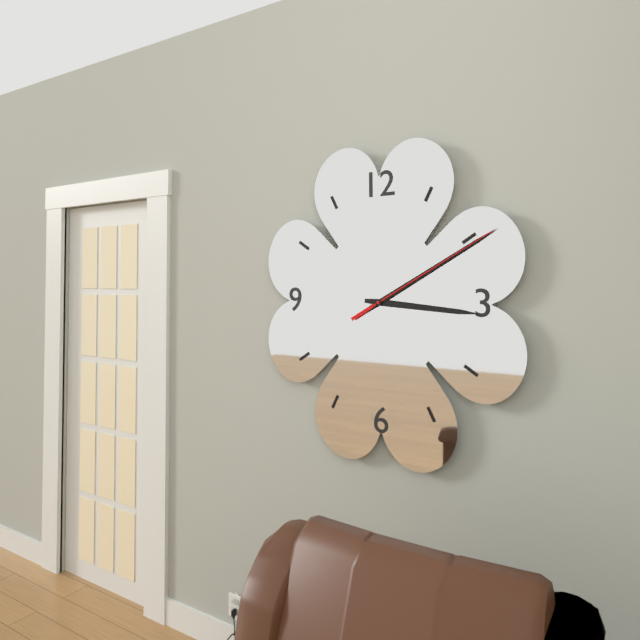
3,10,10
